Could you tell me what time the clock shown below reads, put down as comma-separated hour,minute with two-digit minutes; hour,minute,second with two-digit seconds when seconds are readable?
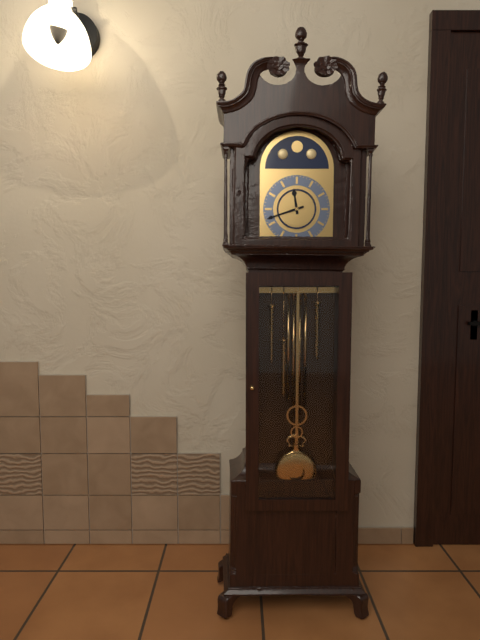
11,42
